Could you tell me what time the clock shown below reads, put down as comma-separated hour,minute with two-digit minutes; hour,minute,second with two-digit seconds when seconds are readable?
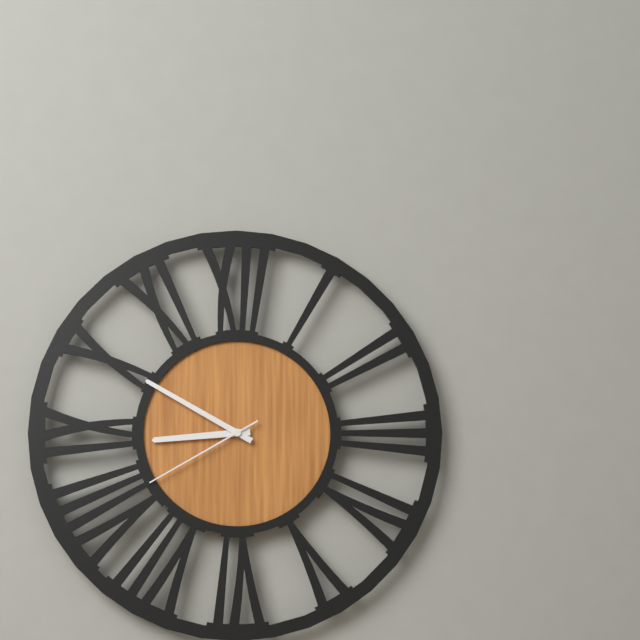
8,50,40
